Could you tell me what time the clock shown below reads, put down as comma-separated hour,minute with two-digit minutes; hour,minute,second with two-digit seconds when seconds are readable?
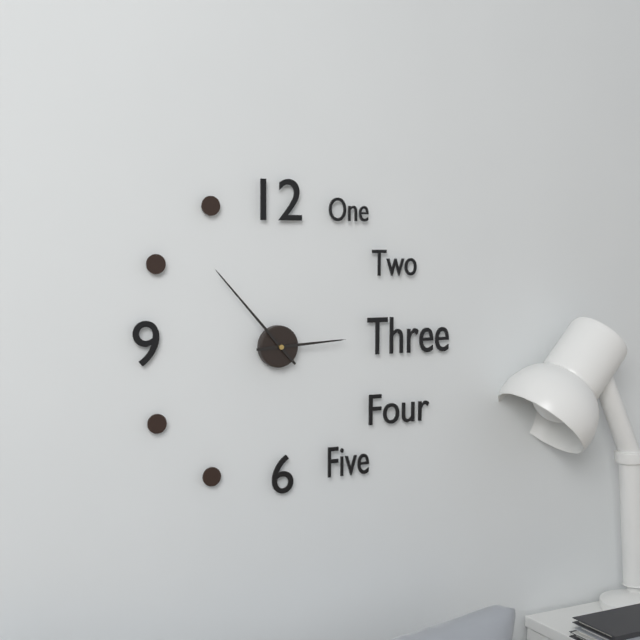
2,53
